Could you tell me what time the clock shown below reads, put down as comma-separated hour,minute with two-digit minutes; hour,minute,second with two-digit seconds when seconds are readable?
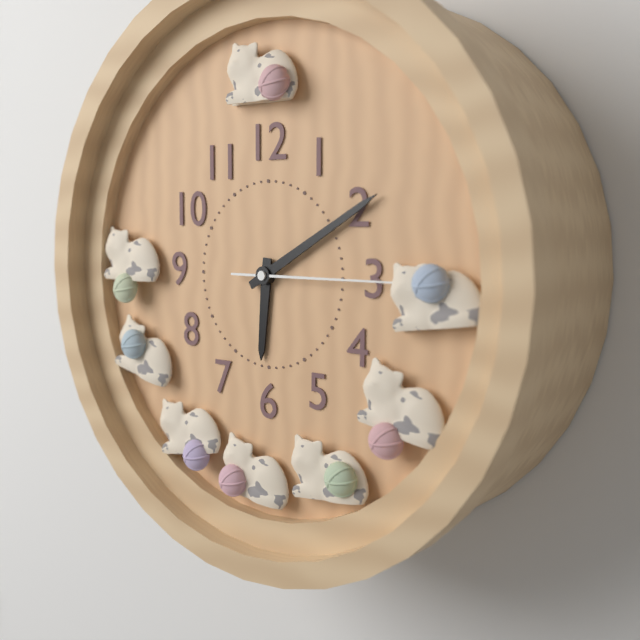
6,10,15
